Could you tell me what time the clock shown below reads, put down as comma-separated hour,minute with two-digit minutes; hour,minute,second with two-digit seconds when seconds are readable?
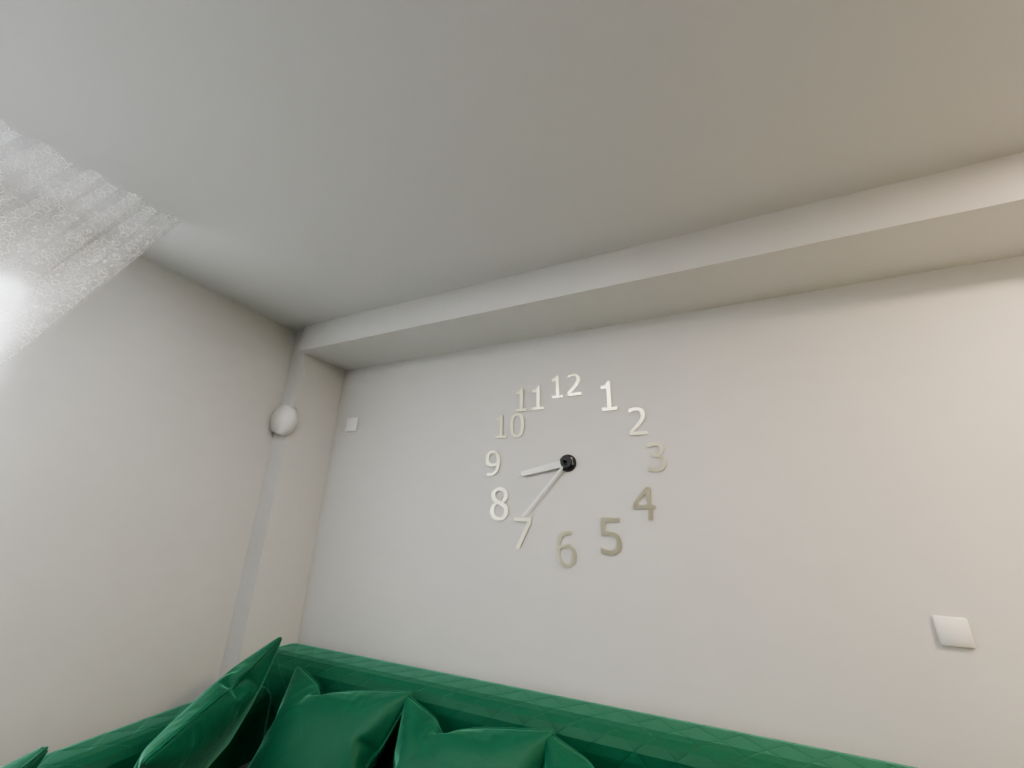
8,37
